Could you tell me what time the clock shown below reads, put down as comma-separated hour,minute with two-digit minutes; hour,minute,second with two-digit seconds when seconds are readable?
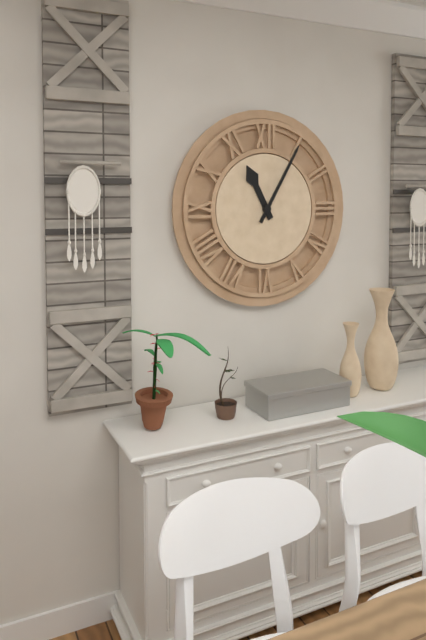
11,05
